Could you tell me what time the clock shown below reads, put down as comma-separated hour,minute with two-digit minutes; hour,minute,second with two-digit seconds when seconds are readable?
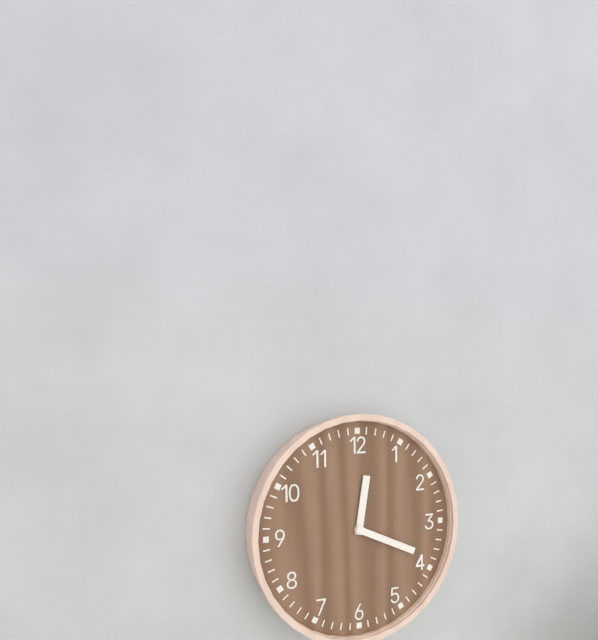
12,19
